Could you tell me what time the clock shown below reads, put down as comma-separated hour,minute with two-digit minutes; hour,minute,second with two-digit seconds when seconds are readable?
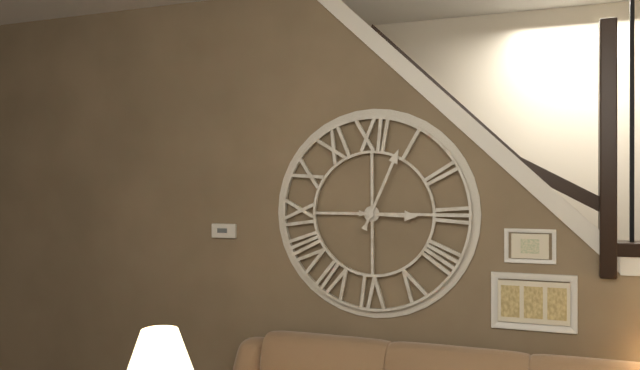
3,04
